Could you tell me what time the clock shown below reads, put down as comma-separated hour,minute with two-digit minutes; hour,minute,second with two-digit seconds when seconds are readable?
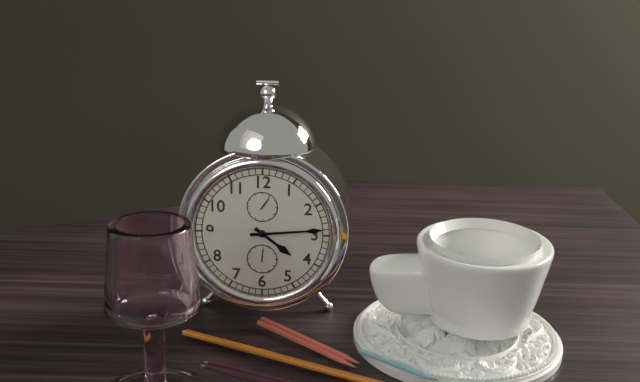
4,14
